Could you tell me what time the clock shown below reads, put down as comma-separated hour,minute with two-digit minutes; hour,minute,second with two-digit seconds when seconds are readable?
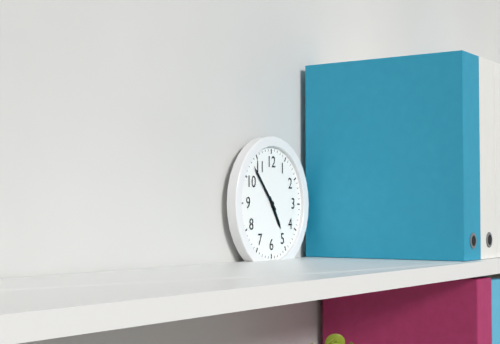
4,53
